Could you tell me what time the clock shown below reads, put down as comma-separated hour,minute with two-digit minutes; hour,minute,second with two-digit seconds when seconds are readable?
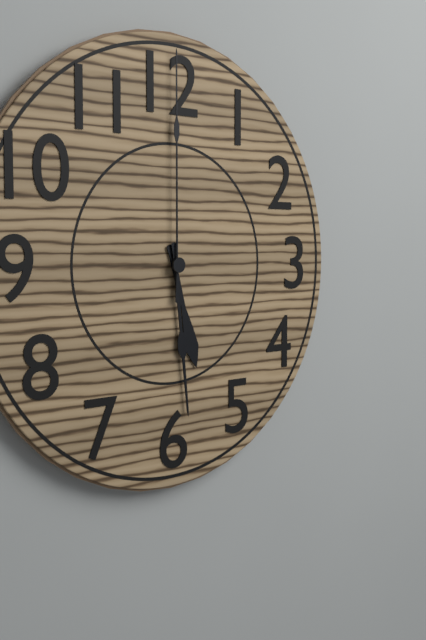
5,29,00
